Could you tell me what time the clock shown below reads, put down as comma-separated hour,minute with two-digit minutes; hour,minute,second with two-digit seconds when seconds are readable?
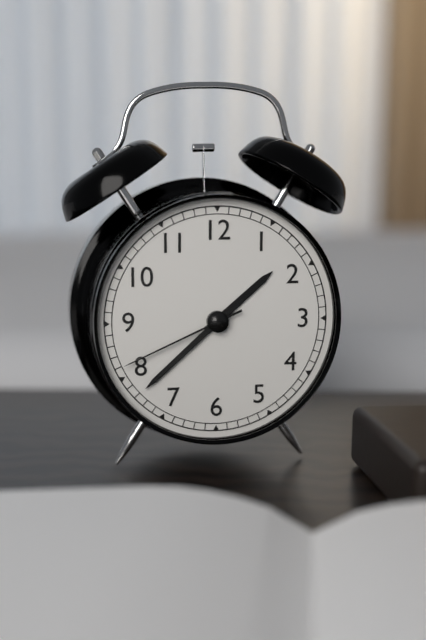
1,38,41
